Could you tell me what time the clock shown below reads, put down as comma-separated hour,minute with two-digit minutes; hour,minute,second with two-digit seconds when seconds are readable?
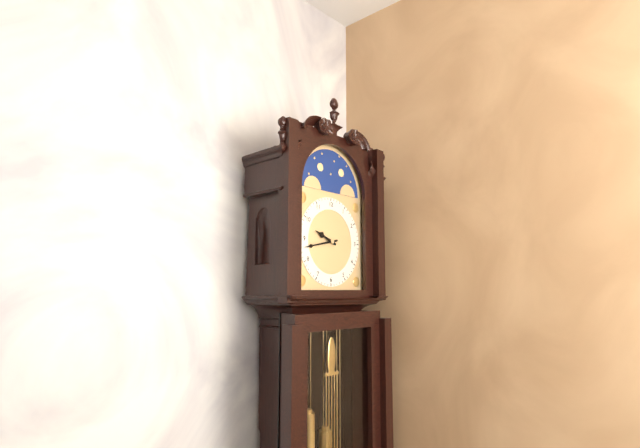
9,43
